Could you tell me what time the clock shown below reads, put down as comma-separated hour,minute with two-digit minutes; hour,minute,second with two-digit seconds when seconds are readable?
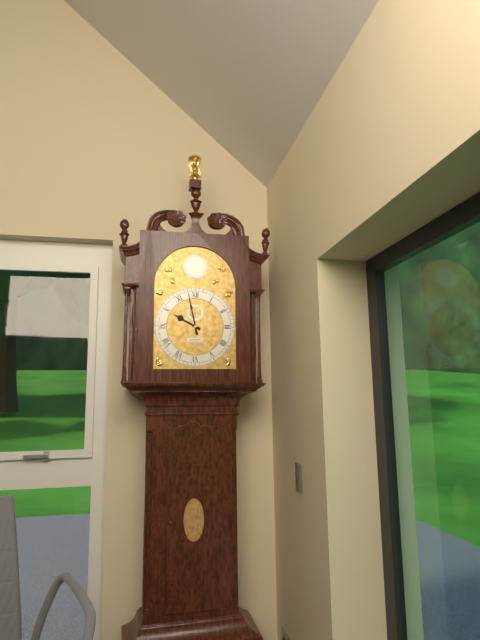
9,58
